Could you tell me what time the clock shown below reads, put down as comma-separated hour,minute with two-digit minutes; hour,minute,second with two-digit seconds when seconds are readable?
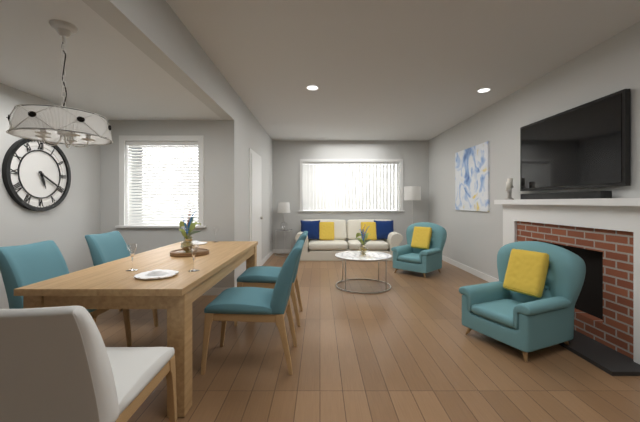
5,20
